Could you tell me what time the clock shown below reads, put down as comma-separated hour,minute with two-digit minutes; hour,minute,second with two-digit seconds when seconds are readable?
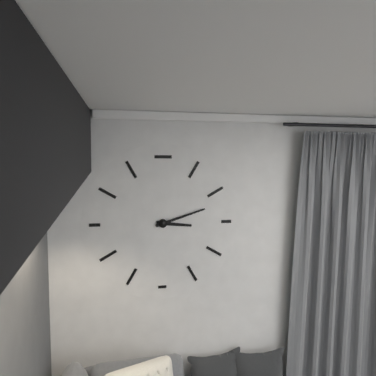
3,12
